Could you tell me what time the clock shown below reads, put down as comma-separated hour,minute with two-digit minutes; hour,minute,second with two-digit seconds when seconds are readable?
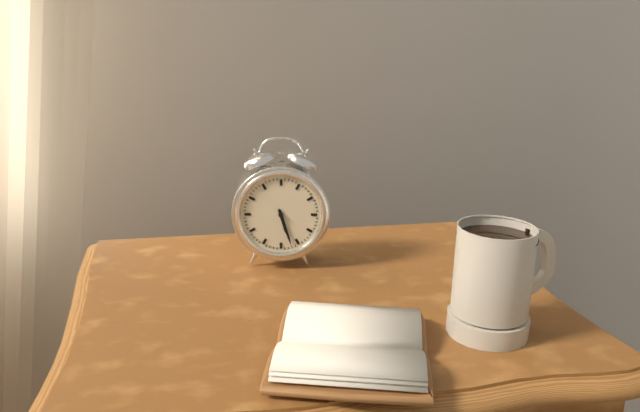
5,27
